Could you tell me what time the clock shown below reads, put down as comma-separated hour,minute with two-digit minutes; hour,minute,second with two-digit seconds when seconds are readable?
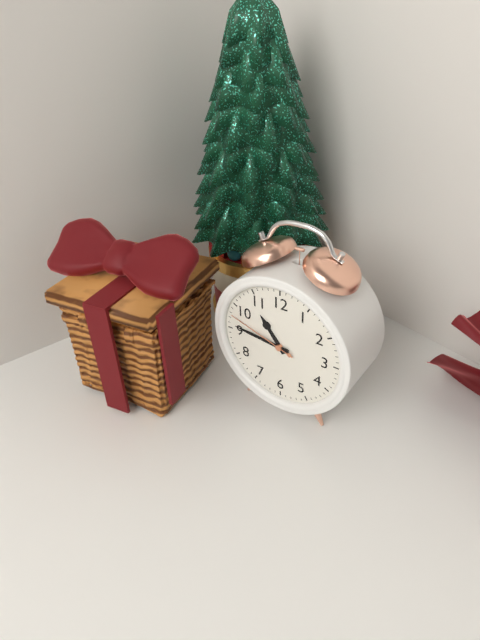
10,46,48
